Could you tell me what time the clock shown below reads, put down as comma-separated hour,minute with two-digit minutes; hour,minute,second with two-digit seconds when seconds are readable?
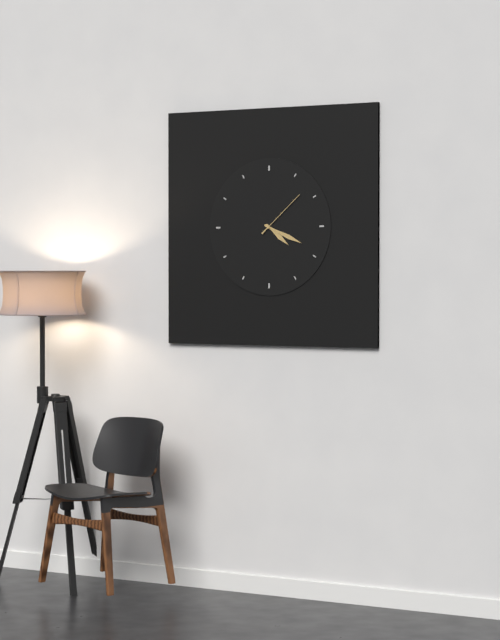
4,19,08
